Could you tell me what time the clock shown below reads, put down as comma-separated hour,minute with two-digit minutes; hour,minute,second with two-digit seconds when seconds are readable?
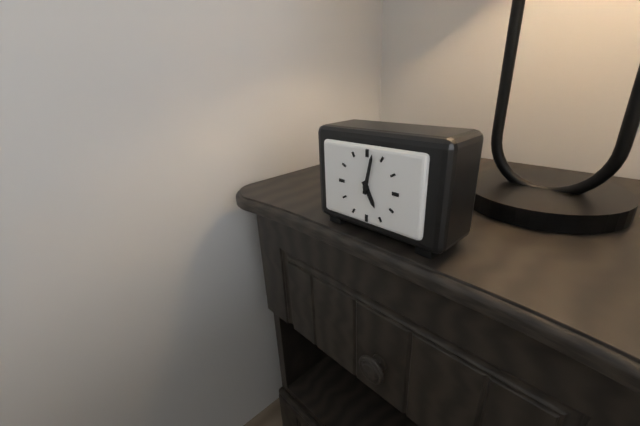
5,02
